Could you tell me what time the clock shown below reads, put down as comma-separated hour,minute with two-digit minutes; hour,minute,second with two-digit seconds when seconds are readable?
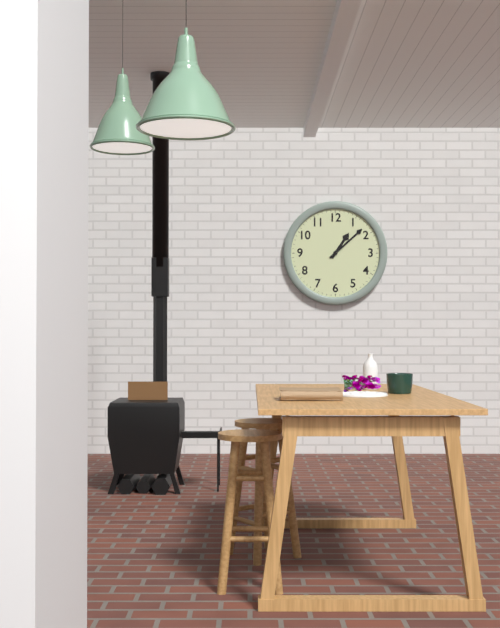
1,08
